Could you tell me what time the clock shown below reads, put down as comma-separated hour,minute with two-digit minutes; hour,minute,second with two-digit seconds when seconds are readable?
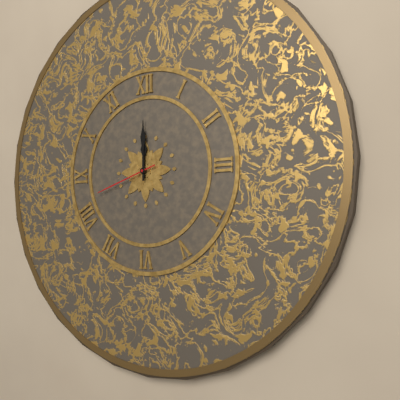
12,00,42
